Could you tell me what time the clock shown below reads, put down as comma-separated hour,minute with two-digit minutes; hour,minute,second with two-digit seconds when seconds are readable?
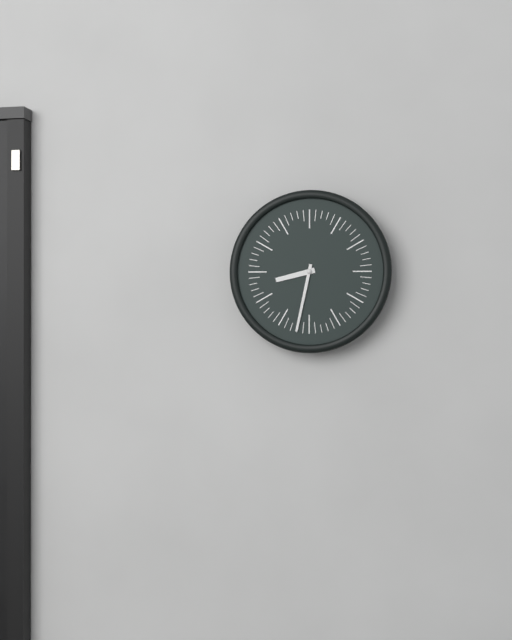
8,32
